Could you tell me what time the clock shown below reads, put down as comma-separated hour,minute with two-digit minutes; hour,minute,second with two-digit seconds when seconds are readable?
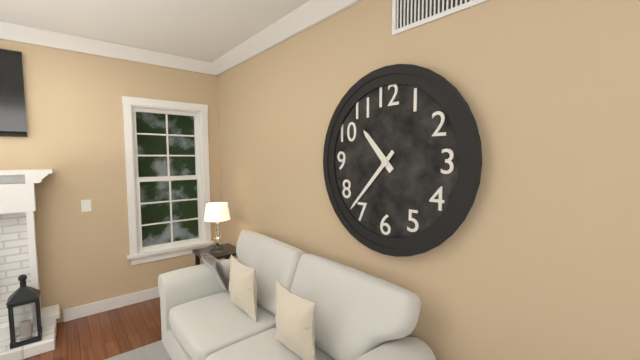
10,37
